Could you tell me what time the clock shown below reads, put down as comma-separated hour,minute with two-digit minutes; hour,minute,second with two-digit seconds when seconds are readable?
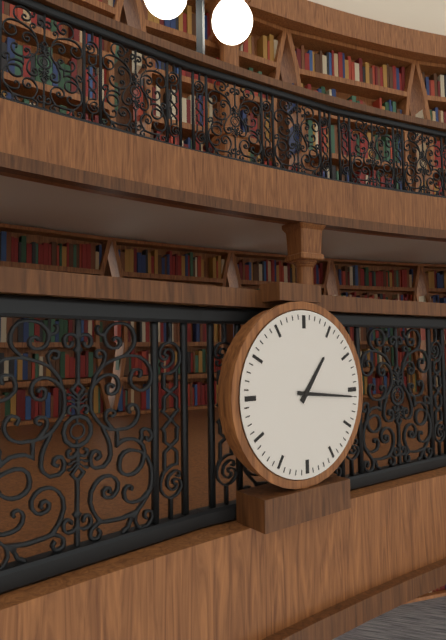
1,16
